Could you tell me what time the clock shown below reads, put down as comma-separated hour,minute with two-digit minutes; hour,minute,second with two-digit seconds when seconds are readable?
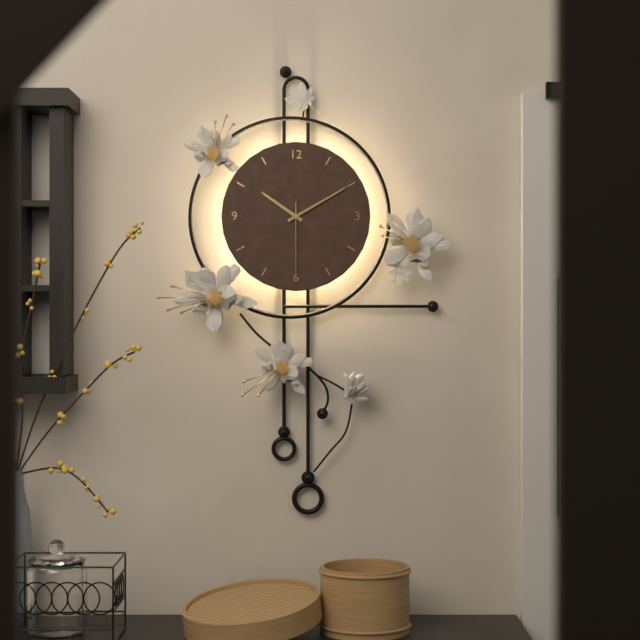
10,10,30
